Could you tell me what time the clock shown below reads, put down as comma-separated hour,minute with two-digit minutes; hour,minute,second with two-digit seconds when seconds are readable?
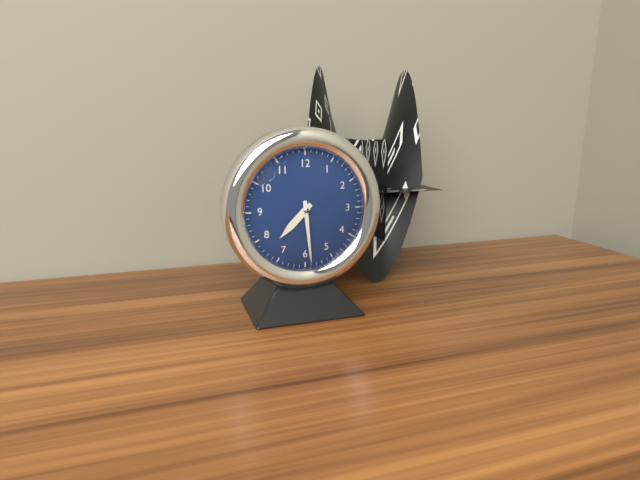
7,29
